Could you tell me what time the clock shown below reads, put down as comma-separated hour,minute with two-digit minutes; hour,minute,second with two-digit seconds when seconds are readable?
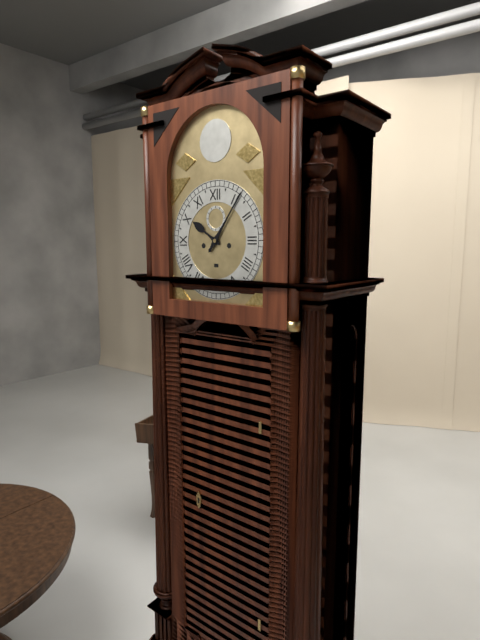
10,06
